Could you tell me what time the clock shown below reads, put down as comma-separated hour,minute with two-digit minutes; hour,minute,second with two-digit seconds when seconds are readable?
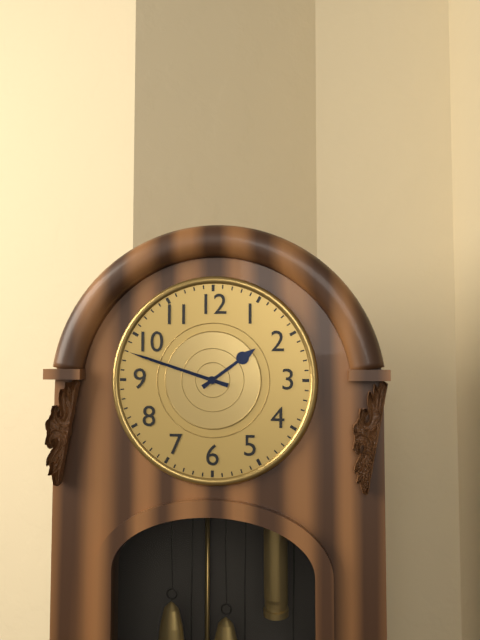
1,48
